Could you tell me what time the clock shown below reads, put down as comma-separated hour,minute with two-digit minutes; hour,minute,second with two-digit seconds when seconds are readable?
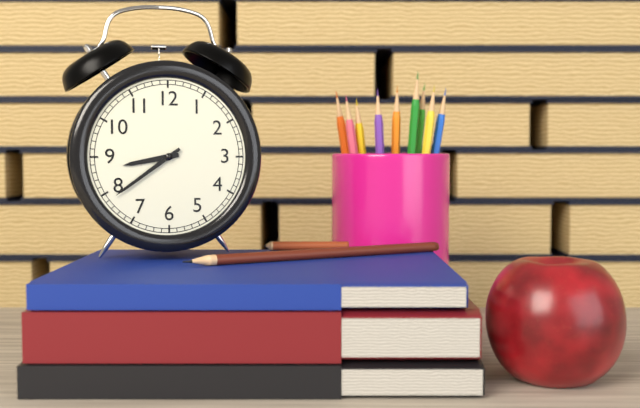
8,39
